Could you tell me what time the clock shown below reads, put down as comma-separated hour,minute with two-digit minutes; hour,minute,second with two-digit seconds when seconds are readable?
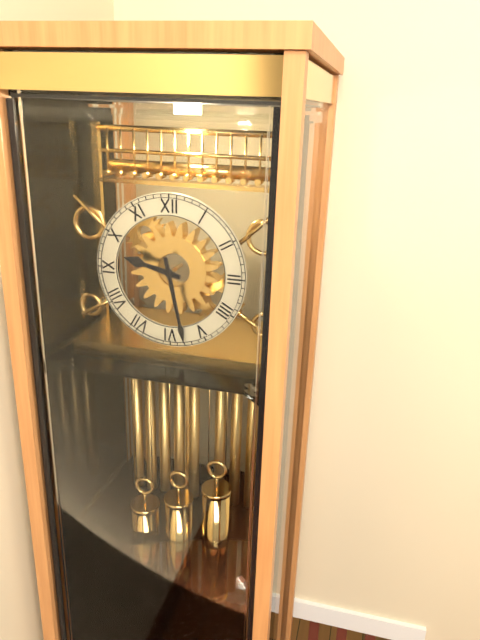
9,28
